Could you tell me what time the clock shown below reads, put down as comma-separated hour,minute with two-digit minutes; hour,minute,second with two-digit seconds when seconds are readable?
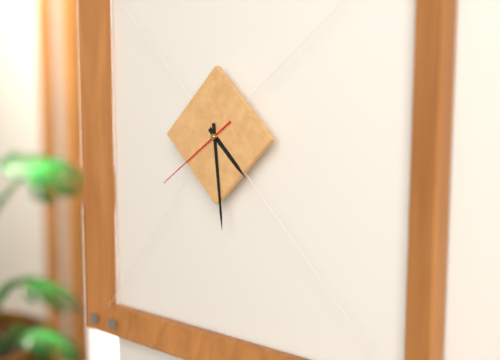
4,29,39
